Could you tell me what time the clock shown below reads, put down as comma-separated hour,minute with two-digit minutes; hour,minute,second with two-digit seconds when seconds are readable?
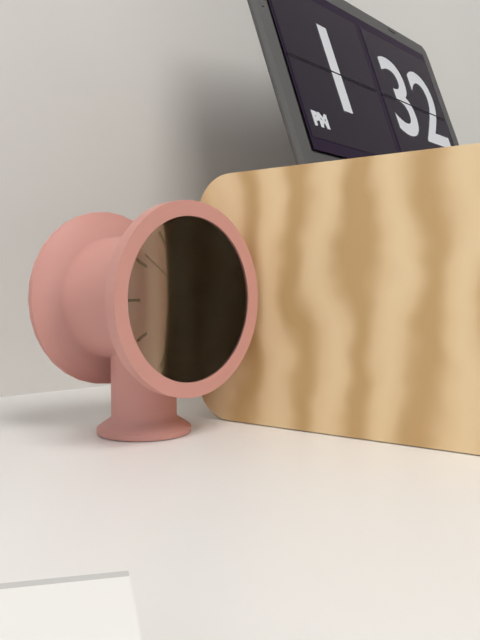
11,05,51
